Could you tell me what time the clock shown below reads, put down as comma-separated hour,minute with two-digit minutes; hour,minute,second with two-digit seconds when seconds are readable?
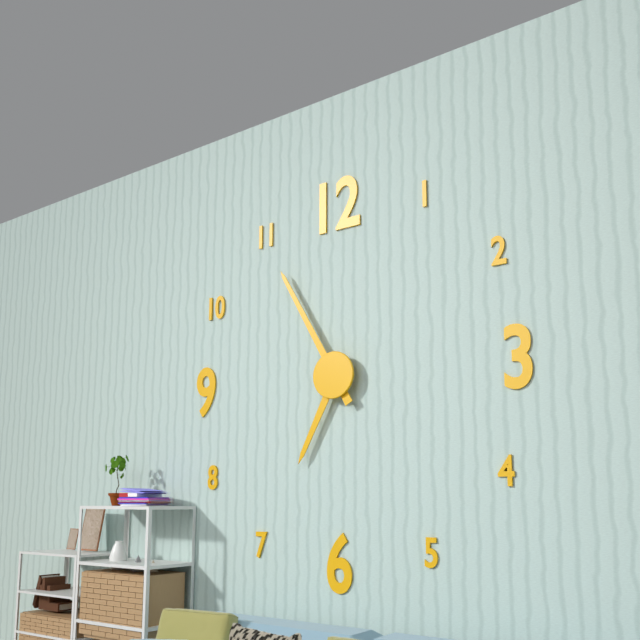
6,55
